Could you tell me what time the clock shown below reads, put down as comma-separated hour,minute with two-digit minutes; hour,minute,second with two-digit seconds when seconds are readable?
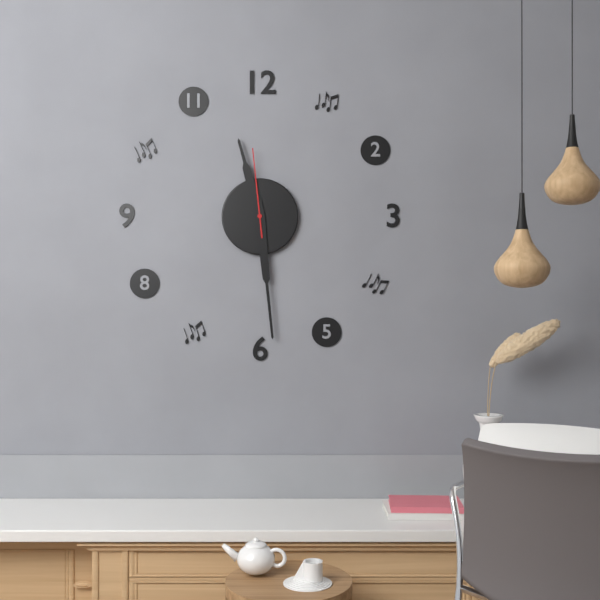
11,29,59
